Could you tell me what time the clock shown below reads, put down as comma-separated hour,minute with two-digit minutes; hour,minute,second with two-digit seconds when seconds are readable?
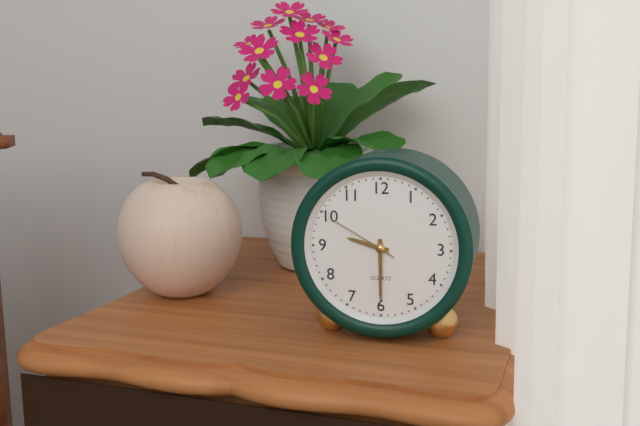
9,30,50
